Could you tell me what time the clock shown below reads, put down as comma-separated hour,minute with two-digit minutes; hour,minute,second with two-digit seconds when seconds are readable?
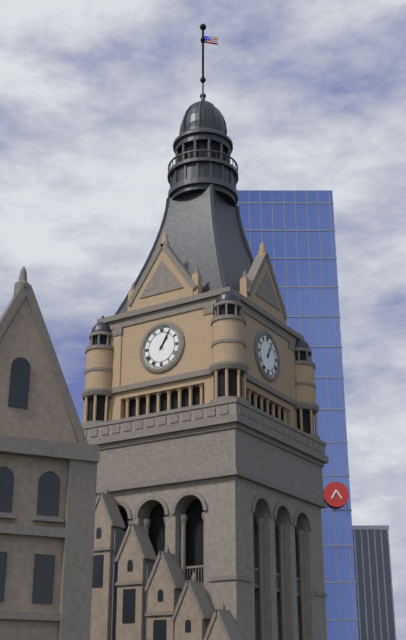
1,05
